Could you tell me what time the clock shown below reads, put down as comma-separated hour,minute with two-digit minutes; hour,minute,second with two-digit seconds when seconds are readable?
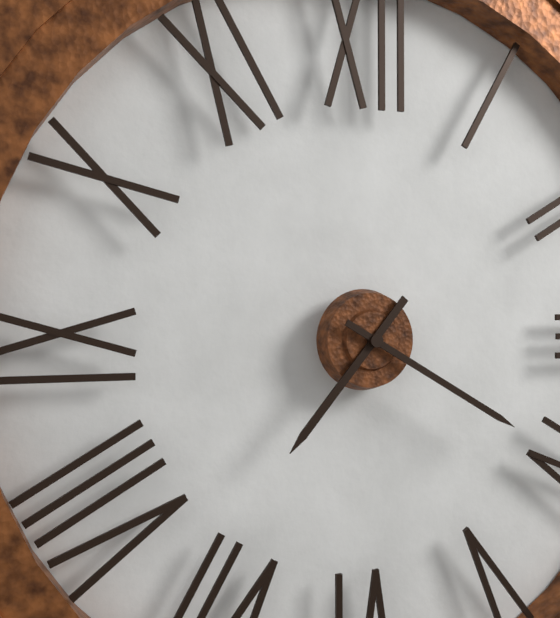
7,20
